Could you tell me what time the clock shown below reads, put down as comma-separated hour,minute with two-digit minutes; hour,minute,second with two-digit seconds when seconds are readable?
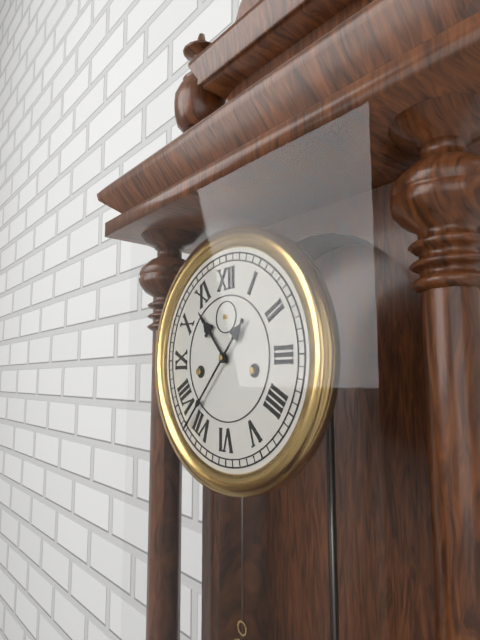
10,37
